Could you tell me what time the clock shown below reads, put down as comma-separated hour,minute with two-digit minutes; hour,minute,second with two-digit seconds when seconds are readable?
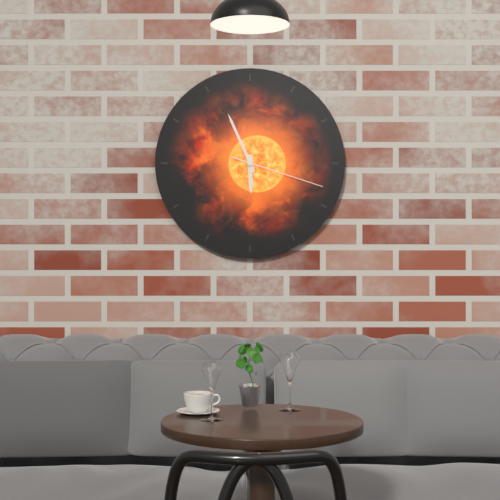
5,56,18
